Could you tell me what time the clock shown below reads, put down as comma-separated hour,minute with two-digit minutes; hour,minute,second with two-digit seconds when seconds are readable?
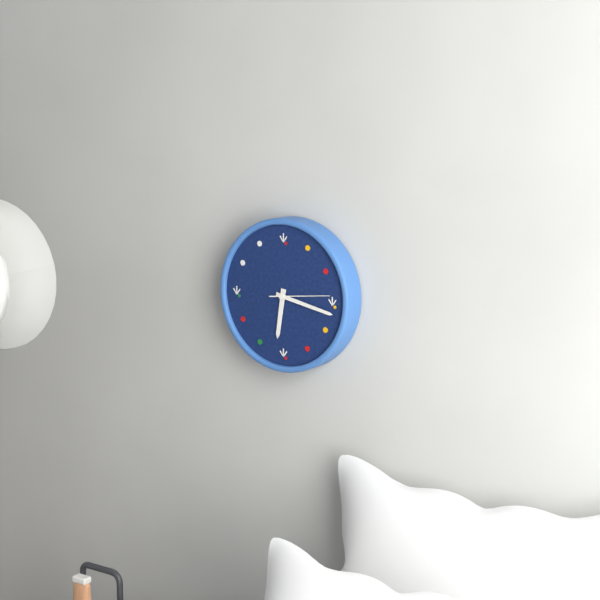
6,17,14
